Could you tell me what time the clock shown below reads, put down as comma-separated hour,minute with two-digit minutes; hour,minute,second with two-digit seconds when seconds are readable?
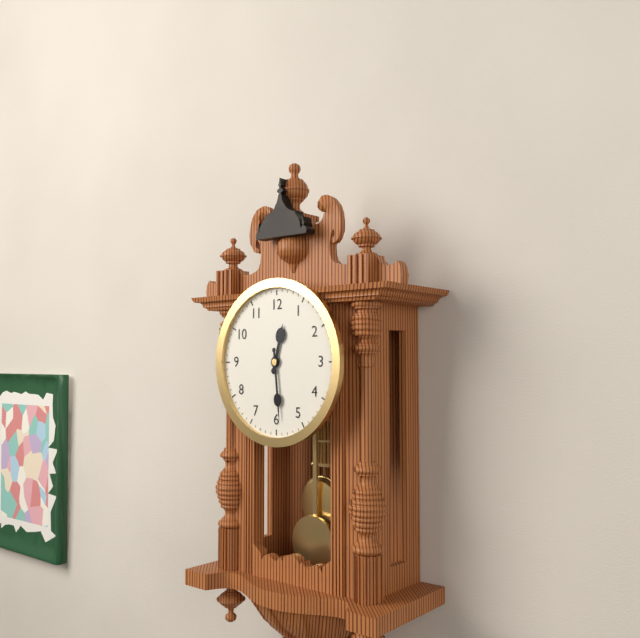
12,29
